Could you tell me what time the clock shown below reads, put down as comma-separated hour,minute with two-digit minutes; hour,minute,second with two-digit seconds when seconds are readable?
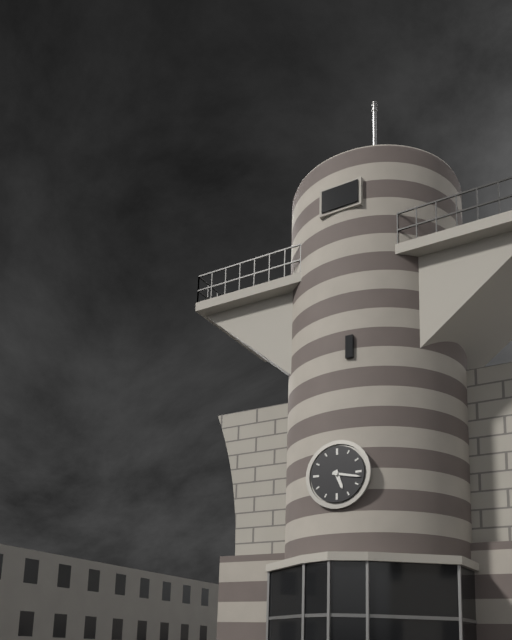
5,17
